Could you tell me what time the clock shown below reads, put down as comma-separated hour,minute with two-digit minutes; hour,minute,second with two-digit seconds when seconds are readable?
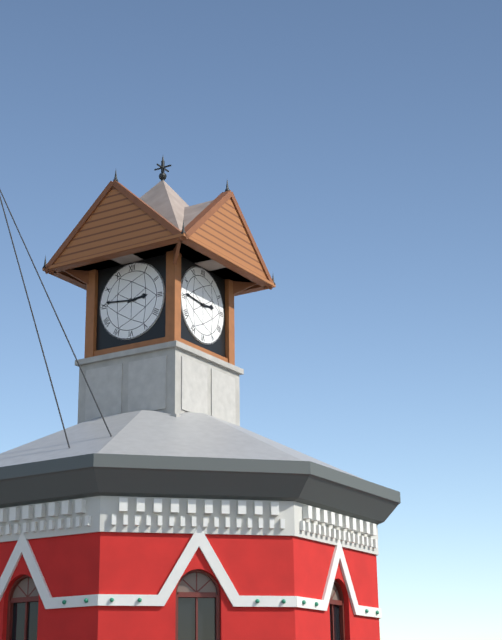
2,46
